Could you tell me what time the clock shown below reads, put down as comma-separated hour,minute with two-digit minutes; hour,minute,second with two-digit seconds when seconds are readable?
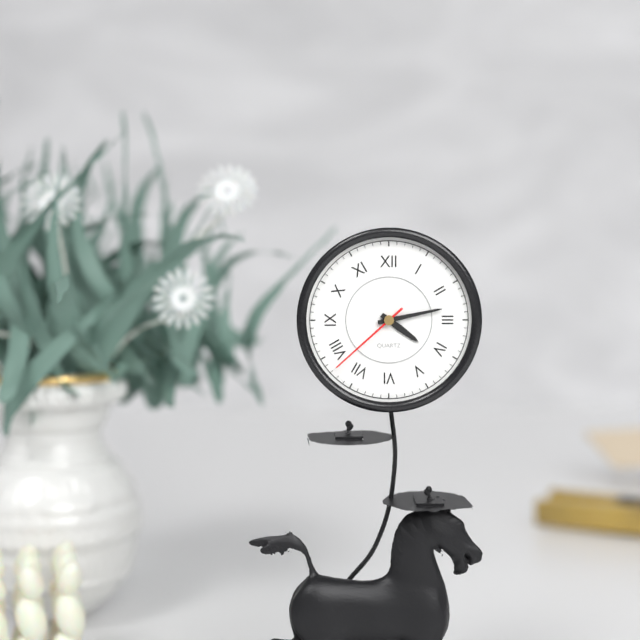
4,13,38
